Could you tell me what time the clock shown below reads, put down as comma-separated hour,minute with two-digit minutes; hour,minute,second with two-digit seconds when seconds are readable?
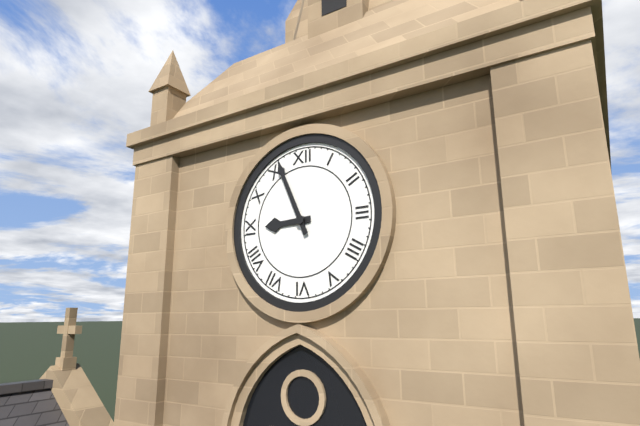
8,56
